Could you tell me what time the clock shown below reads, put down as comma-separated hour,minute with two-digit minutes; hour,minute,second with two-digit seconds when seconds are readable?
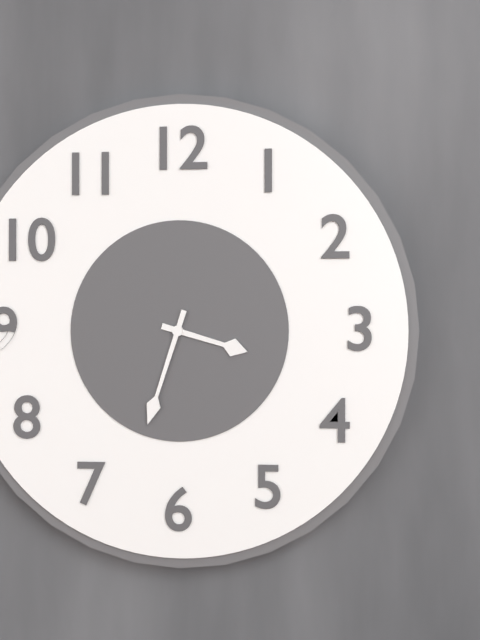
3,33
